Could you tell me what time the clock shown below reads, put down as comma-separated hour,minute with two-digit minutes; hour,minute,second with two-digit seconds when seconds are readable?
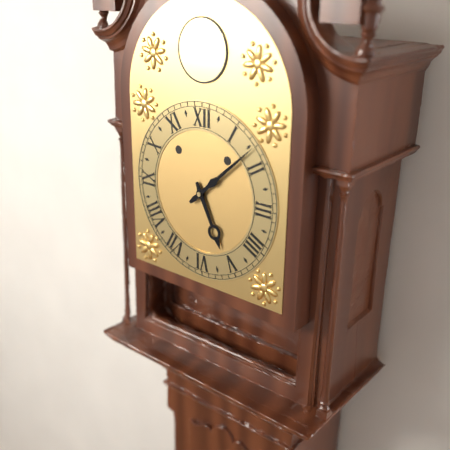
5,08
